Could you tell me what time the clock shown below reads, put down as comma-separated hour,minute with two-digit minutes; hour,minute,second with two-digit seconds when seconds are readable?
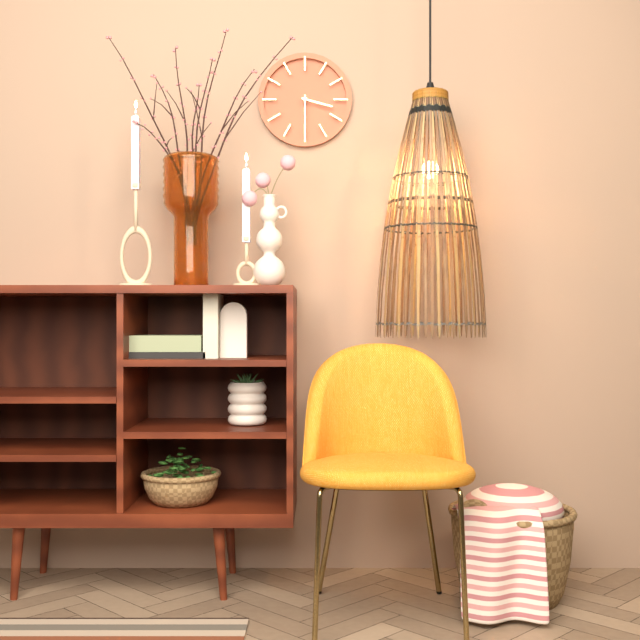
3,30
